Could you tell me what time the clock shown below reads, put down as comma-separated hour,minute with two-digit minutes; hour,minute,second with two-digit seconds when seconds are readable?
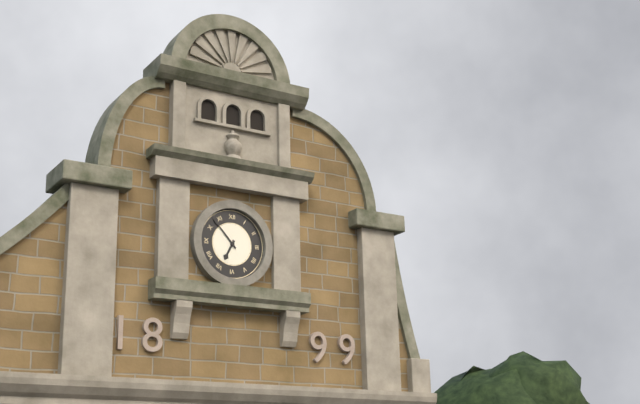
6,53
